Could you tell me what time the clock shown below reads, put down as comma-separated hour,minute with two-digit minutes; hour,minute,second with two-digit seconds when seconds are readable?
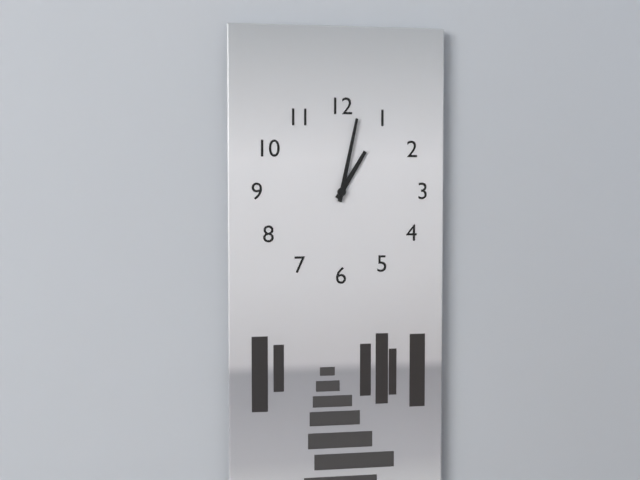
1,02
